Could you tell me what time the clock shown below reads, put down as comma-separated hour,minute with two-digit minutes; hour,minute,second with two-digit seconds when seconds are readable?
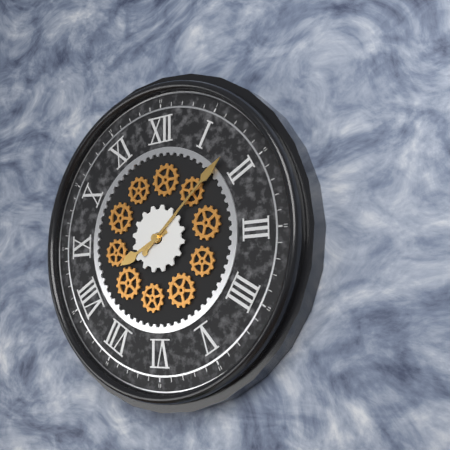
8,08
